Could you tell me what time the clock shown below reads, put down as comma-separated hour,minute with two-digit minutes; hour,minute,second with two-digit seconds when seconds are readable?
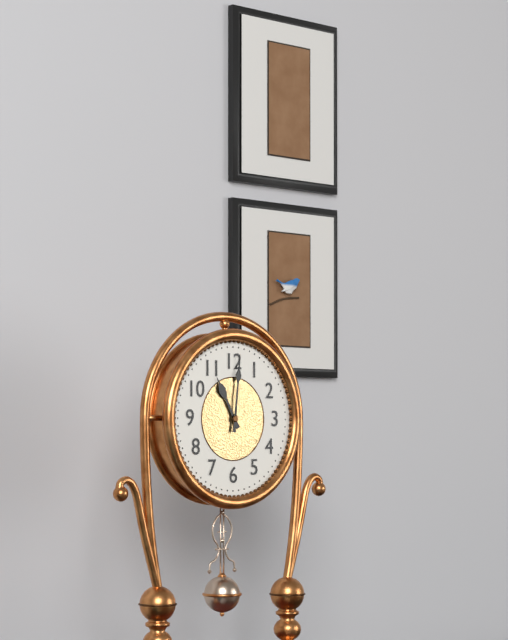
11,01
